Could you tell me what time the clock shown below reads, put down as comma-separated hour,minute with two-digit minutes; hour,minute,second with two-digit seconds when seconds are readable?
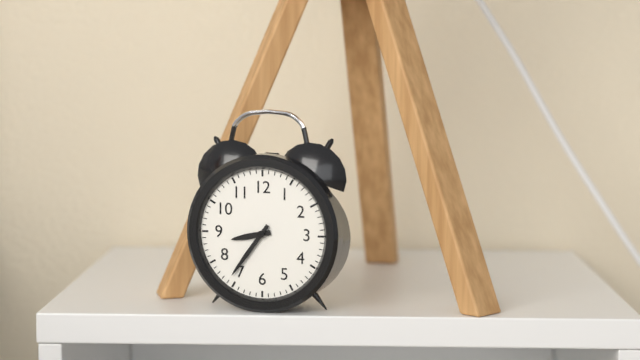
8,36
